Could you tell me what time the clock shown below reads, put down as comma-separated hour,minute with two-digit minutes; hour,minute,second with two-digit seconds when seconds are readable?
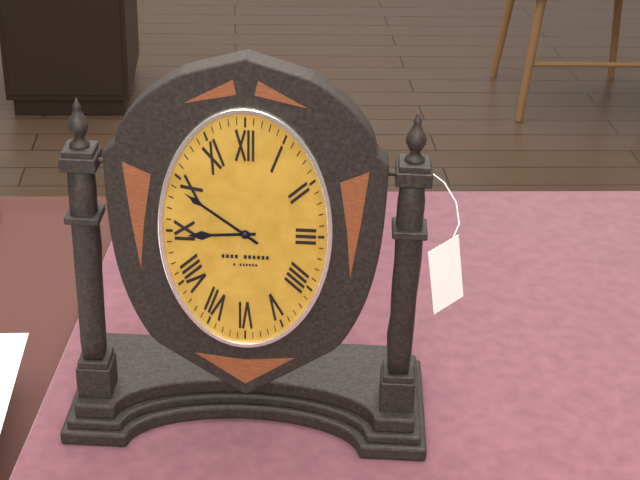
8,51
